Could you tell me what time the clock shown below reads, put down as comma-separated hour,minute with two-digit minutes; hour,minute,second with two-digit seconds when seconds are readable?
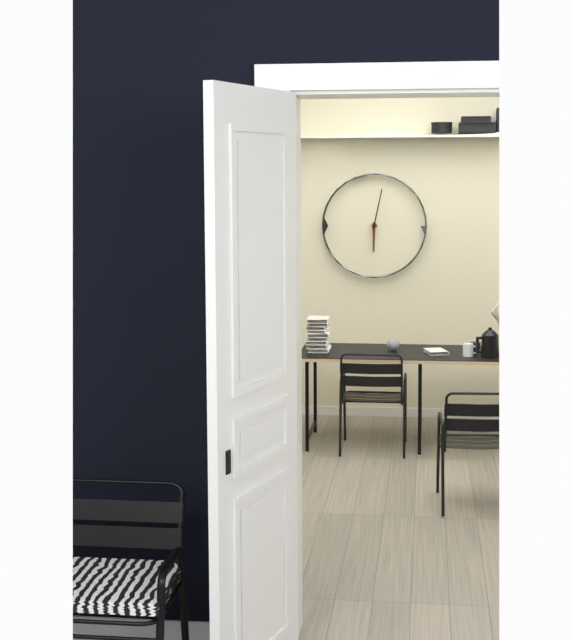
6,02
